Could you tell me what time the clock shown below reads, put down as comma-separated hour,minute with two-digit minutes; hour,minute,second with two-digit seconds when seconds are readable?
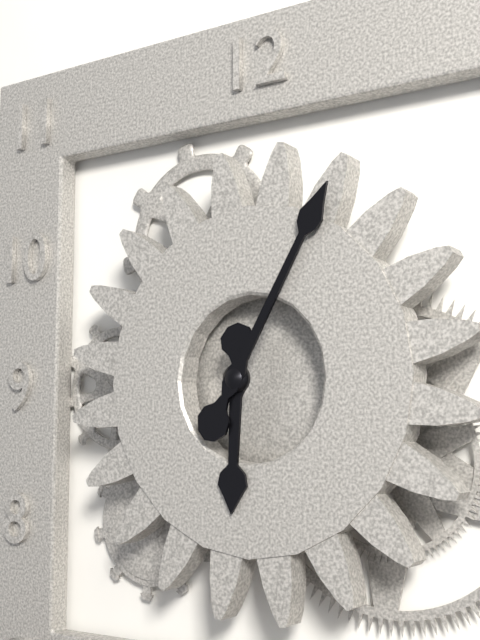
6,05
